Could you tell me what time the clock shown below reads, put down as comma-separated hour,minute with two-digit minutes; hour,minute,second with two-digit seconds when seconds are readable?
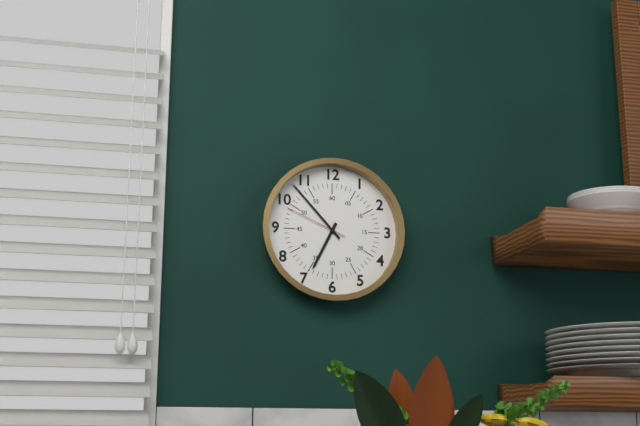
6,53,49
